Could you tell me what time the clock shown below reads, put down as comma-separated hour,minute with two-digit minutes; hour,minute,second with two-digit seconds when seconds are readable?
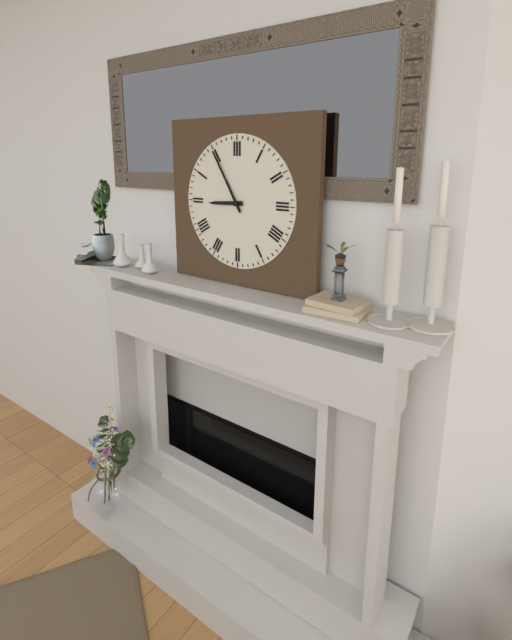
8,55
